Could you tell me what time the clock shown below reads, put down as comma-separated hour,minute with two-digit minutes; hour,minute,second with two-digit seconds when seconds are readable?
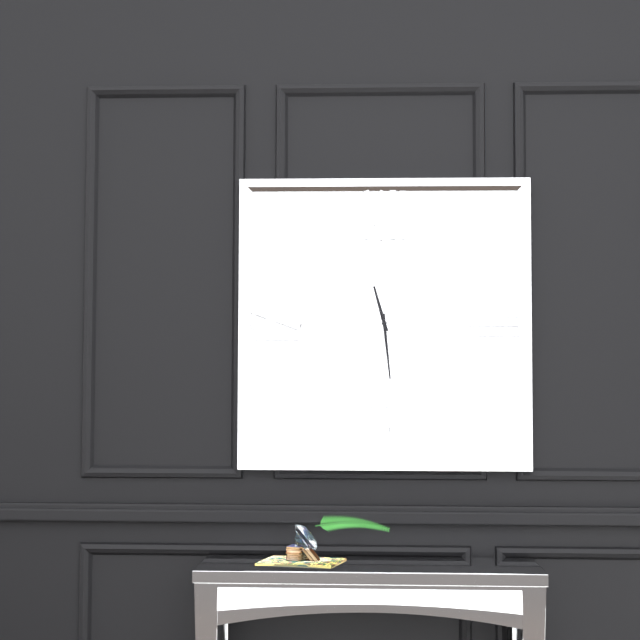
11,29
